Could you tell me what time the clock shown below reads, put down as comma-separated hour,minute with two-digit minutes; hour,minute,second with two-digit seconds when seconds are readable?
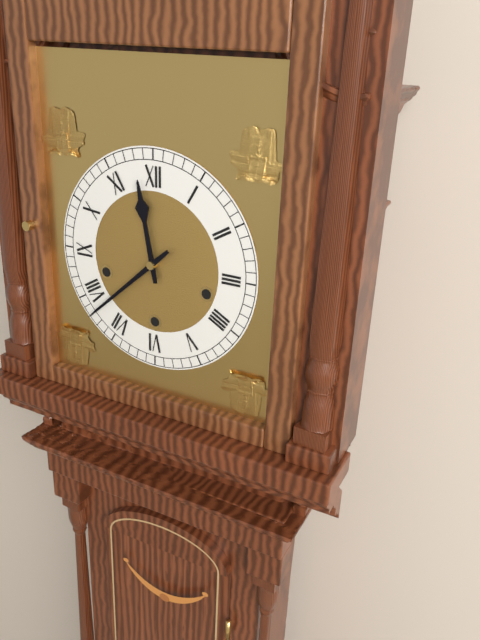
11,38
